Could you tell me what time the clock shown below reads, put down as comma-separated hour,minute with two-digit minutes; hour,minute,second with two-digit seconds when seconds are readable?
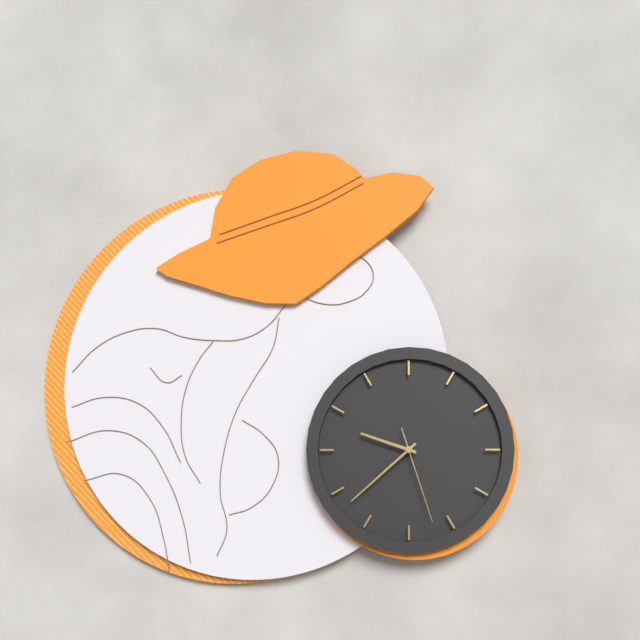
9,38,27
